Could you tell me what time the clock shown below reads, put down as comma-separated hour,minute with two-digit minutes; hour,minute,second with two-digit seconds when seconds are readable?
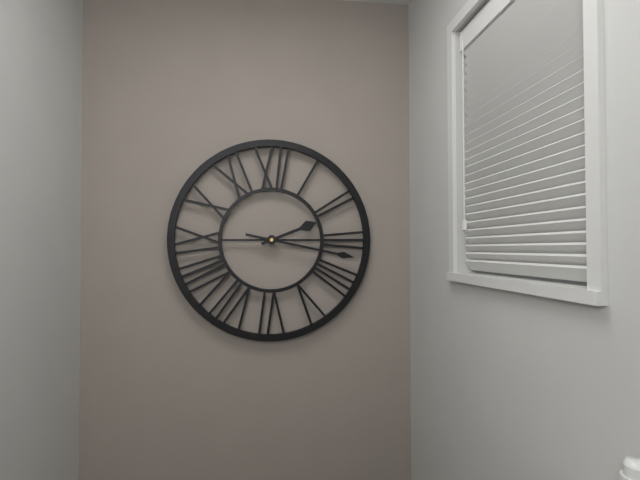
2,17
